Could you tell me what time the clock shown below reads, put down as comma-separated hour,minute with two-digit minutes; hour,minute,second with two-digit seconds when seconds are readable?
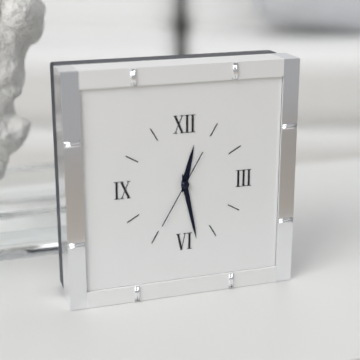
12,28,35
